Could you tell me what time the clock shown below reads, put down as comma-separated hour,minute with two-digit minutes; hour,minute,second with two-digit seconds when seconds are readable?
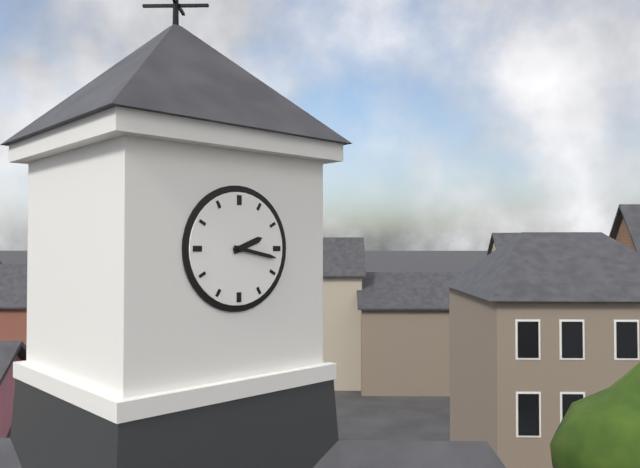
2,17
